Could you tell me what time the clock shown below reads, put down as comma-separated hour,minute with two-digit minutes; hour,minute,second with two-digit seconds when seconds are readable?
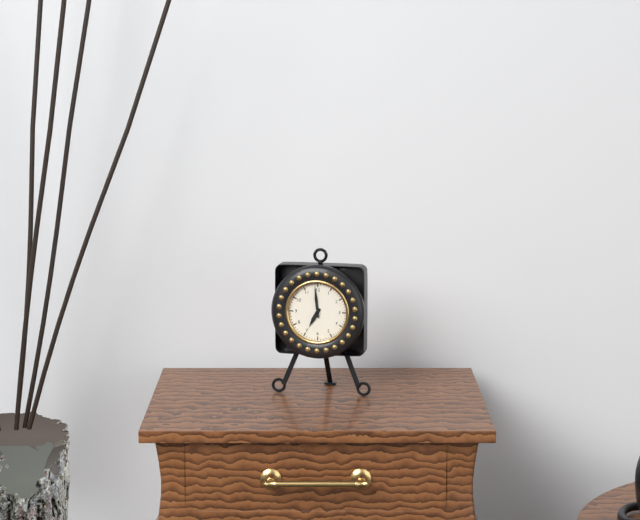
6,59
